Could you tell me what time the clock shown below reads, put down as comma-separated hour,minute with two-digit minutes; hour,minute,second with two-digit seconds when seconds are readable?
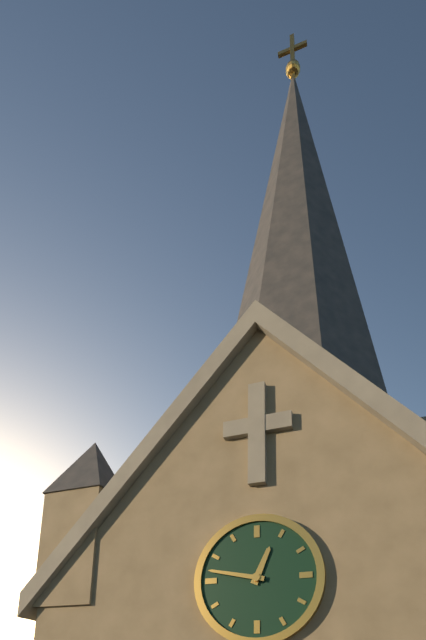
12,47
